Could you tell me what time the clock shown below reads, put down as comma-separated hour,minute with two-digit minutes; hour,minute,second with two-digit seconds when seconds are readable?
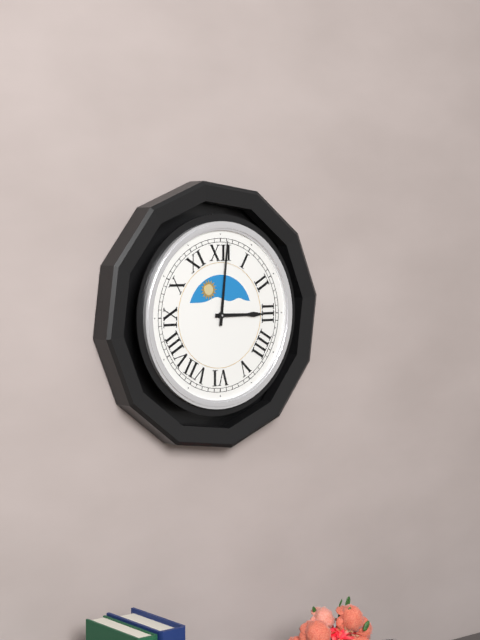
3,01
